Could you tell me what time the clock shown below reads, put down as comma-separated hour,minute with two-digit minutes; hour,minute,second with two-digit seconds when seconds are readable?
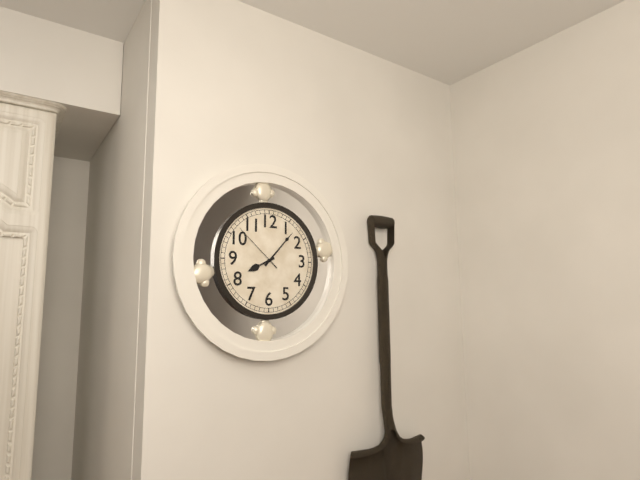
8,07,52
